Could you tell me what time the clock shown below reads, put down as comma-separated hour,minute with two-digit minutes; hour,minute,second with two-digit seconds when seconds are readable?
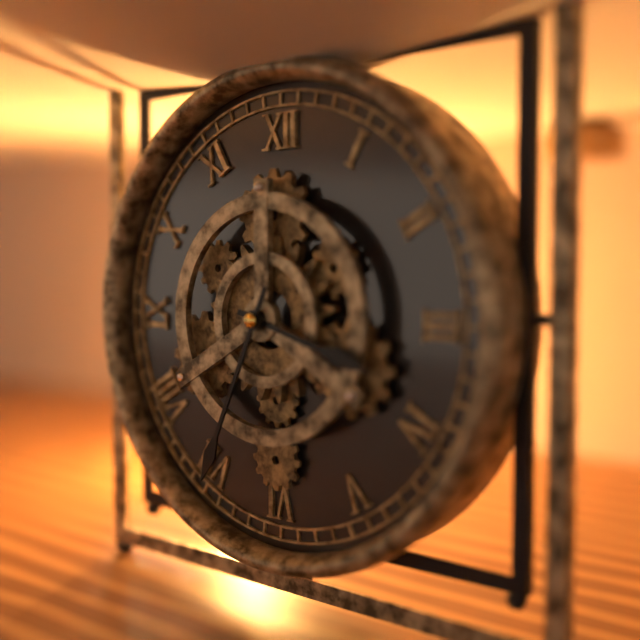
3,34
